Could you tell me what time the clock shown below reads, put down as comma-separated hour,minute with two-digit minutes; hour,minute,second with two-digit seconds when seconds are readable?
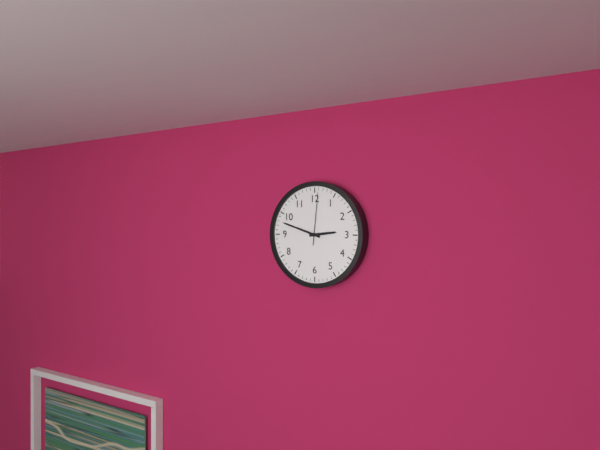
2,48,01
